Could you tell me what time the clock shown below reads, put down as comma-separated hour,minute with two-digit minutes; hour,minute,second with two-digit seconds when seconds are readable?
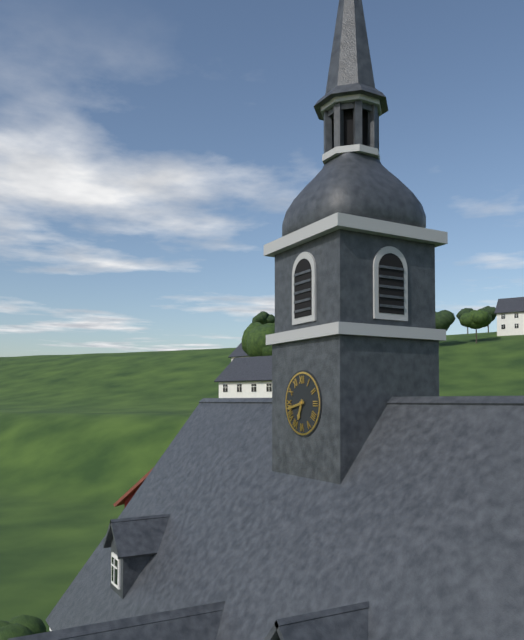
6,43
